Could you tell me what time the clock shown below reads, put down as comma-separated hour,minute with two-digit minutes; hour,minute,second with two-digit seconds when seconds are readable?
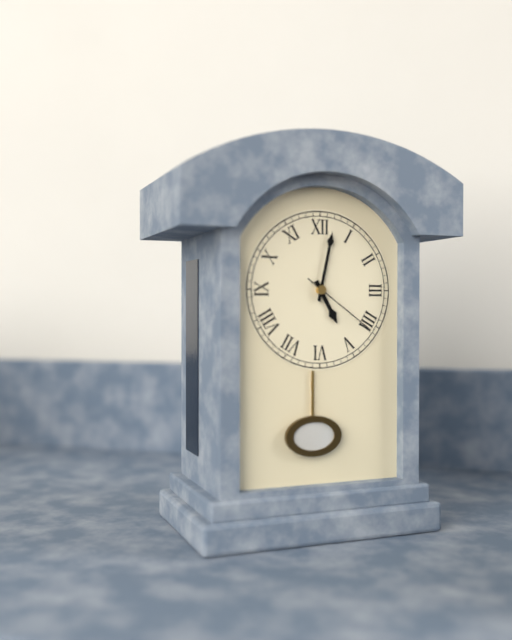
5,02,21
